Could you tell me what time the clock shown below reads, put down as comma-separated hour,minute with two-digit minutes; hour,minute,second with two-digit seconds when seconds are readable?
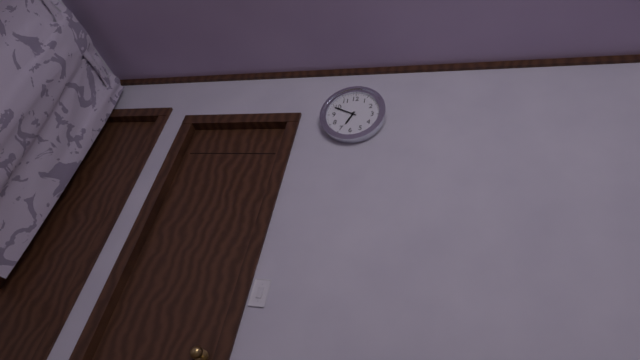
6,49
